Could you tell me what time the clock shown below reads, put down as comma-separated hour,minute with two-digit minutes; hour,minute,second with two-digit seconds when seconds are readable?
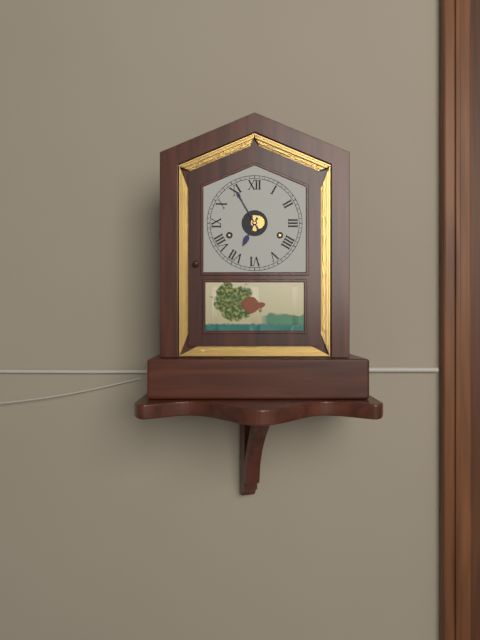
6,55
